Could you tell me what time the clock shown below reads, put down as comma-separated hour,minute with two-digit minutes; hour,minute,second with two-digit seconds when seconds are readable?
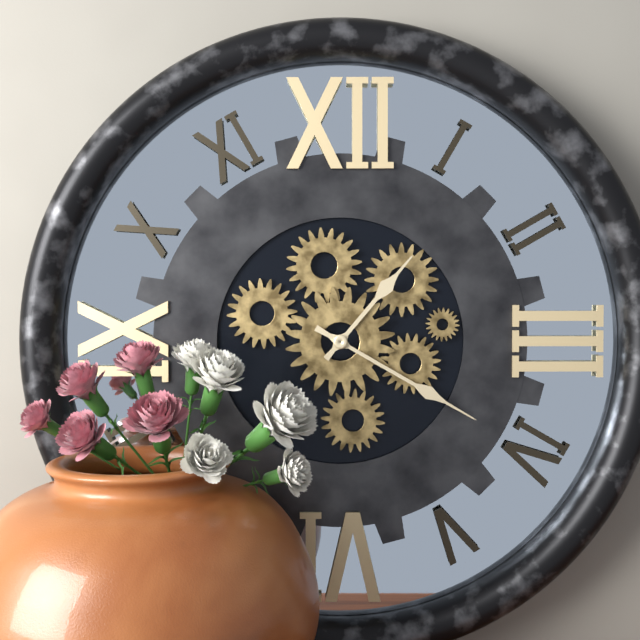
1,20
